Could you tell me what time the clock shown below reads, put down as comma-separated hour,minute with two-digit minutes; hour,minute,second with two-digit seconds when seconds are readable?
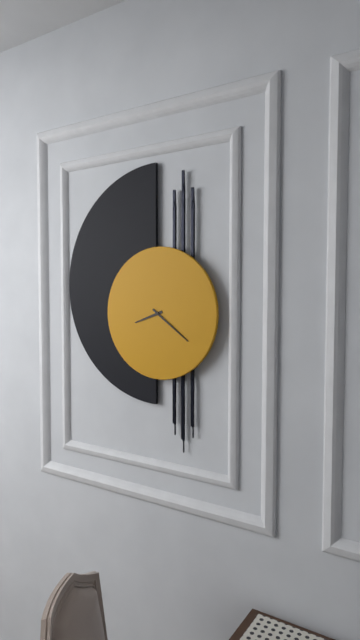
8,21
